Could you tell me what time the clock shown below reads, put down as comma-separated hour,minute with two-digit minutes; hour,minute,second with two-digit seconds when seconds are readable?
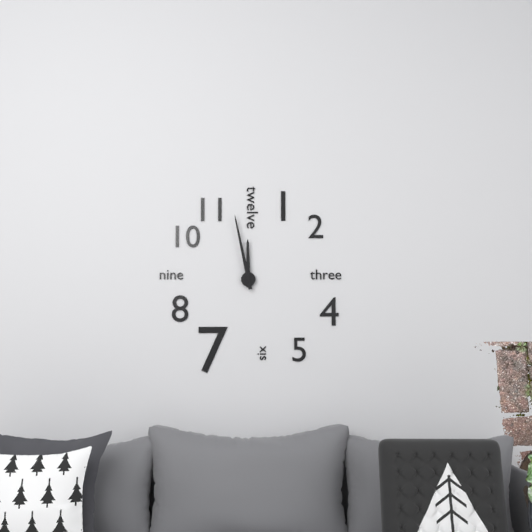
11,58
